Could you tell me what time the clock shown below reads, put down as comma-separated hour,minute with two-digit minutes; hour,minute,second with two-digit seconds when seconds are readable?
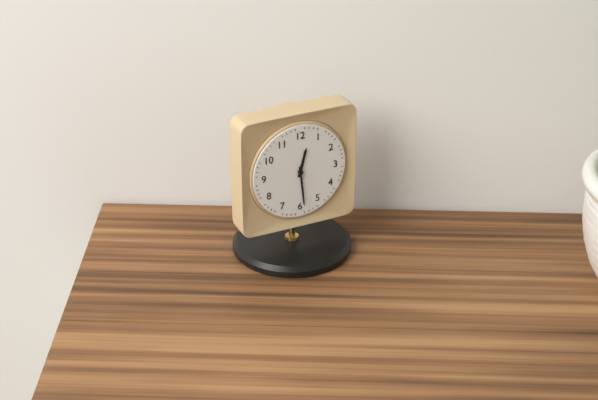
12,29
